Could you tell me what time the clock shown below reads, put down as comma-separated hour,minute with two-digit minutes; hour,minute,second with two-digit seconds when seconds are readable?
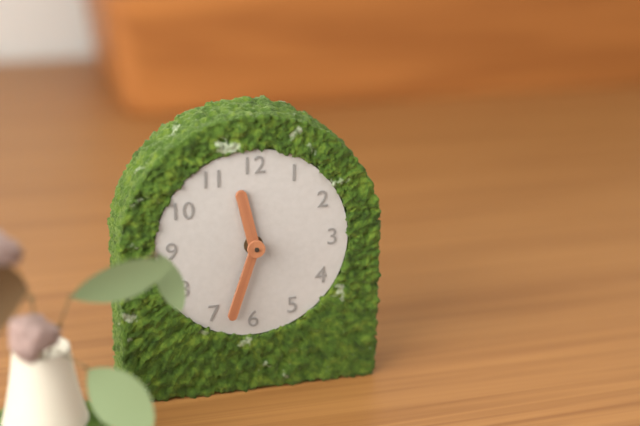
11,33
